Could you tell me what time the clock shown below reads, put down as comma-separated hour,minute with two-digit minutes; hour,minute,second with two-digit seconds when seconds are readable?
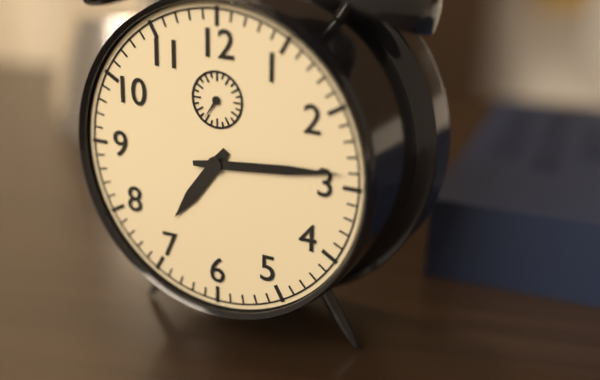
7,14
